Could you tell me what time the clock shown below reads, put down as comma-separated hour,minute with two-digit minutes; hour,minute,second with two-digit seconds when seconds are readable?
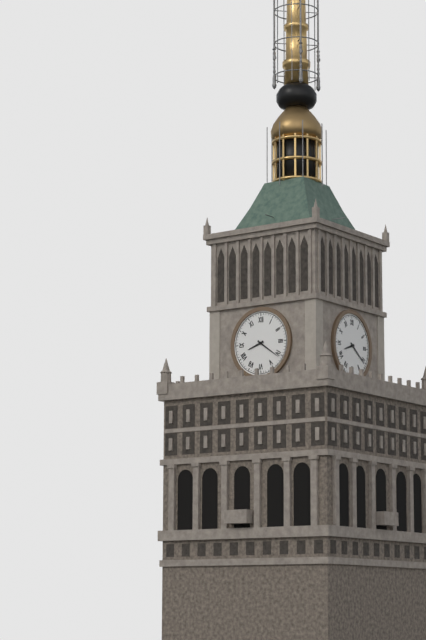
8,21
